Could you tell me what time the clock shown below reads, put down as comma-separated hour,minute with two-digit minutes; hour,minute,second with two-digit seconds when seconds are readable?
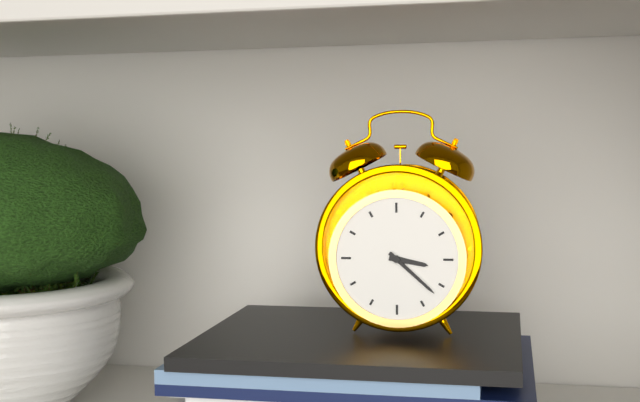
3,22
